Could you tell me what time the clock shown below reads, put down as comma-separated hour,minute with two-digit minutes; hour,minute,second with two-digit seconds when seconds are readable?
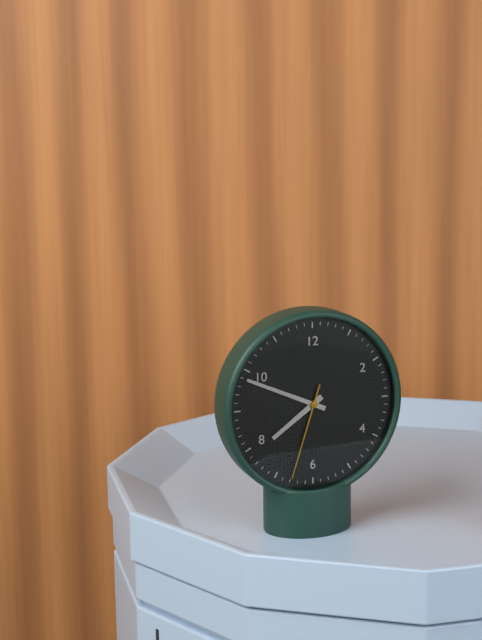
7,49,33
